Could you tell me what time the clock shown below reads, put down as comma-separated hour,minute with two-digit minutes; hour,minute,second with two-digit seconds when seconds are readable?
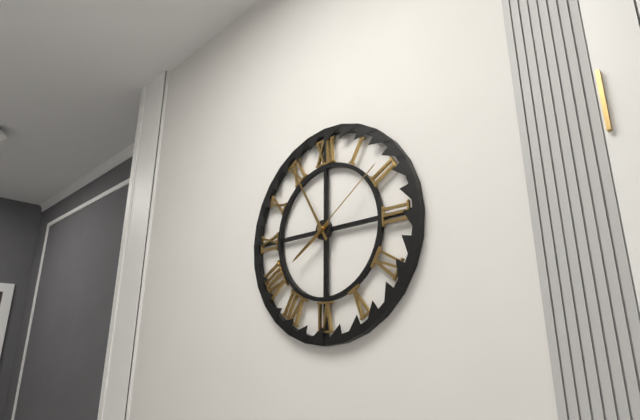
7,55,09
